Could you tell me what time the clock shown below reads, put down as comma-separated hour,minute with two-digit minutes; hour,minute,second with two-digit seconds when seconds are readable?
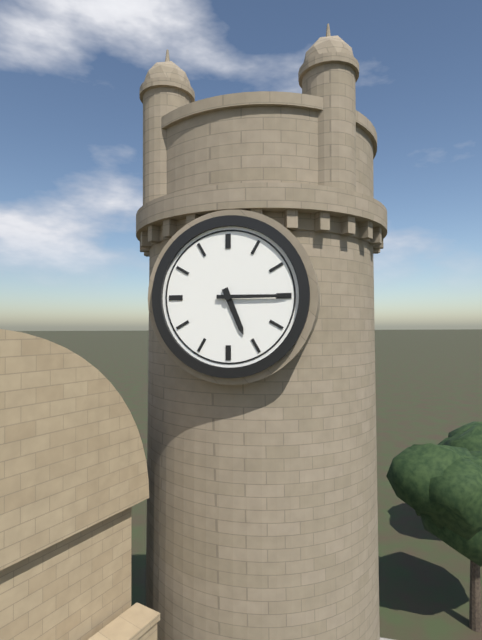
5,15
